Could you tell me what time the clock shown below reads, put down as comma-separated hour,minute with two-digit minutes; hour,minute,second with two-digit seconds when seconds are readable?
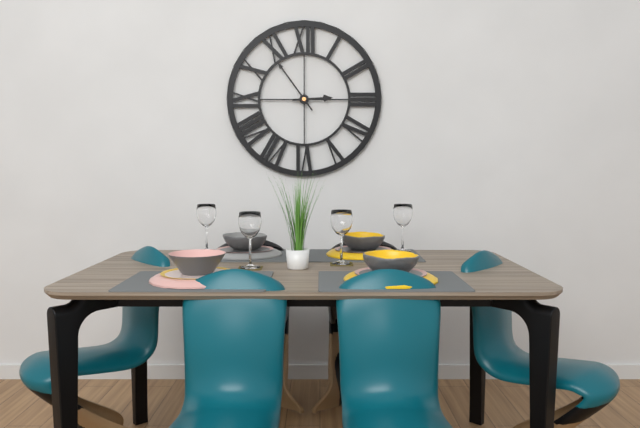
2,54
